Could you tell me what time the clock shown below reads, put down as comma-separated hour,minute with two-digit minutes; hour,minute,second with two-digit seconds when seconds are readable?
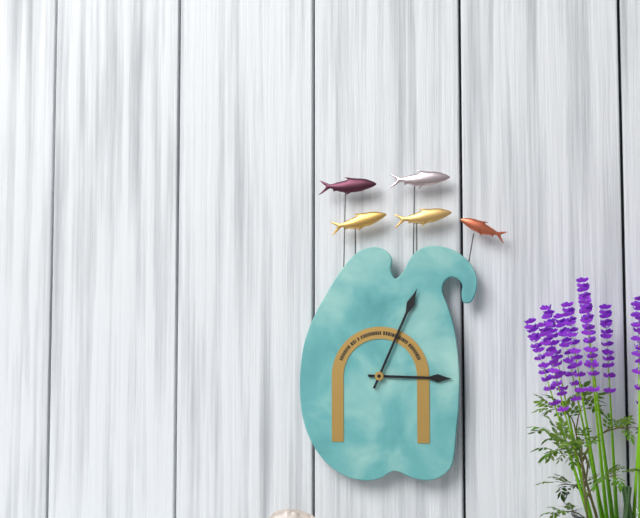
3,04
